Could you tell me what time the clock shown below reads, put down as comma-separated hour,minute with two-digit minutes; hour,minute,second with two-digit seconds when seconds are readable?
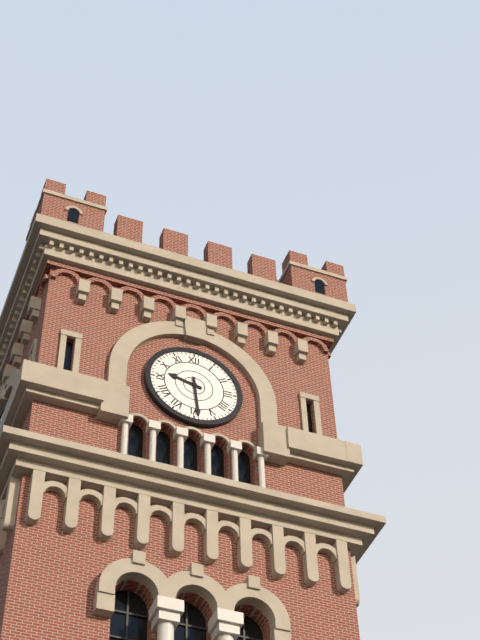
9,29
